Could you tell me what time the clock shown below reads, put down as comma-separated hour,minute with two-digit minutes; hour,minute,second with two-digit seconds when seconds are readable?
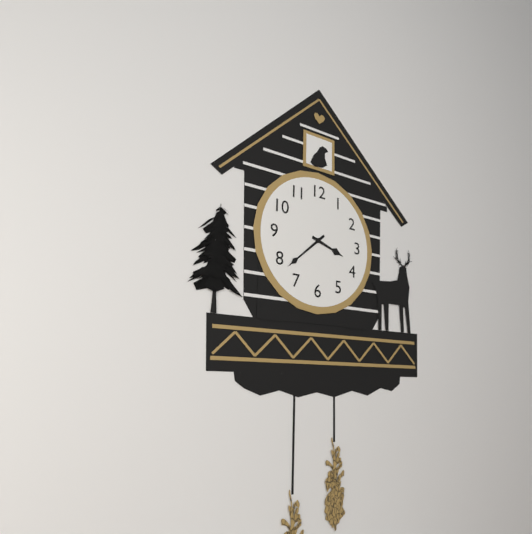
3,38
